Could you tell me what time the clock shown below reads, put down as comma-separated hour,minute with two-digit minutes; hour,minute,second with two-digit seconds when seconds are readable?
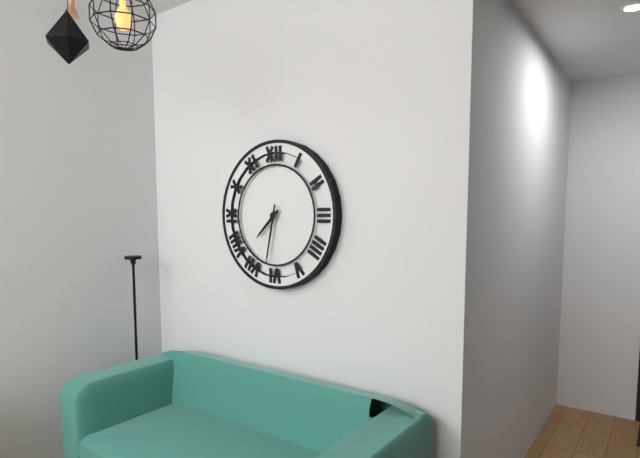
7,32
